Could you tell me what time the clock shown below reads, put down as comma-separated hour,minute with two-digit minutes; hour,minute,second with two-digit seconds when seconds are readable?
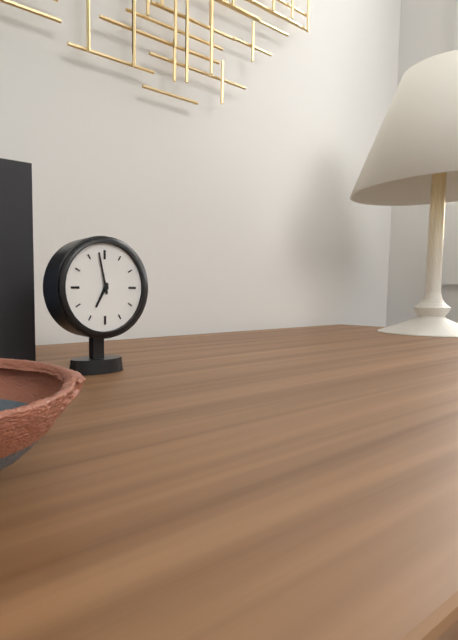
6,58
